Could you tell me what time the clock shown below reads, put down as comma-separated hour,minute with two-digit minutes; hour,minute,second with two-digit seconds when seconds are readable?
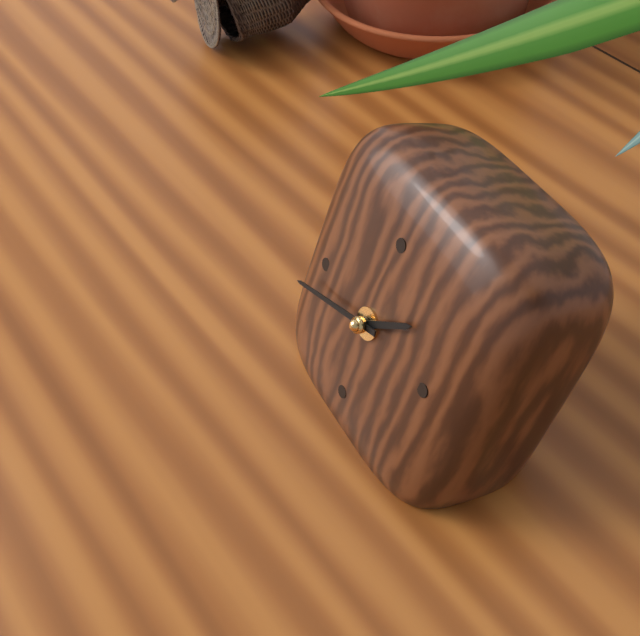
1,42
